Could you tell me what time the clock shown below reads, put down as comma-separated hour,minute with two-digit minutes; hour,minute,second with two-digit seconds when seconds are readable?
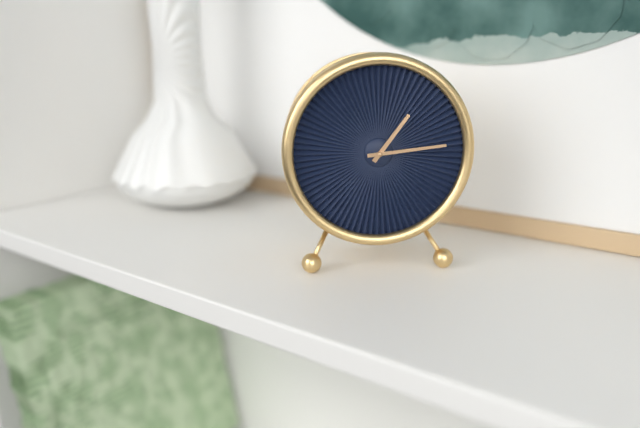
1,14
